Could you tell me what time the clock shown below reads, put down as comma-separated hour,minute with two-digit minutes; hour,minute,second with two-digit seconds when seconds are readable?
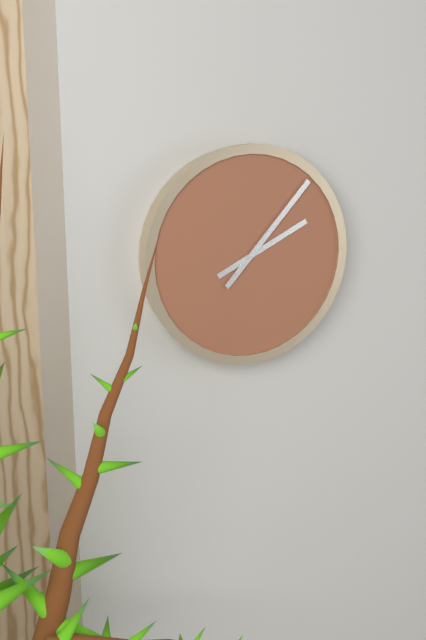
2,07
